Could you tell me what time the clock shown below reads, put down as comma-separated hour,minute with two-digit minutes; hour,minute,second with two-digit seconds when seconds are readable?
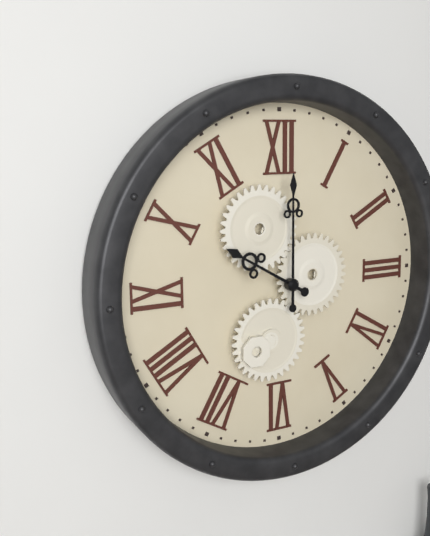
10,00
